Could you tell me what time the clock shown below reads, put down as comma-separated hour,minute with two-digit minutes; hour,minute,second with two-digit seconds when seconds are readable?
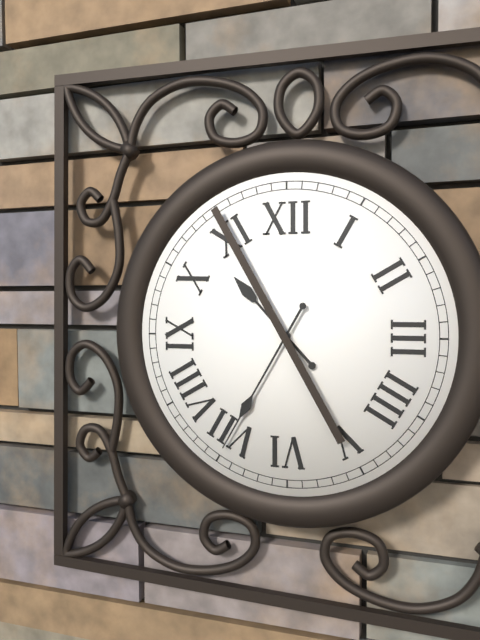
10,35
